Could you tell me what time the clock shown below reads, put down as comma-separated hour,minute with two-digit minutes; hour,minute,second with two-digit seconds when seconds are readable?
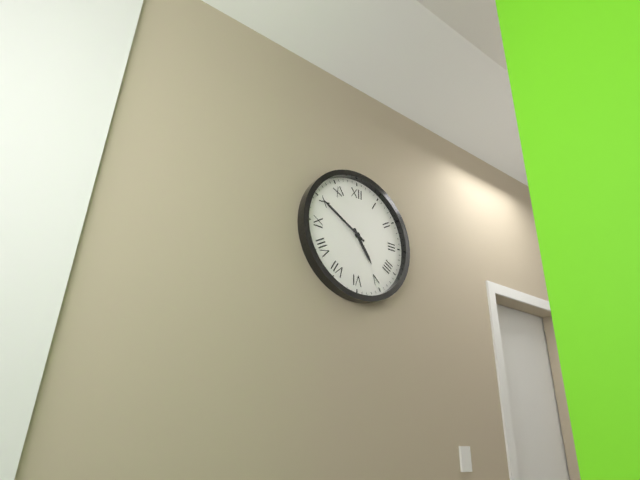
4,50
